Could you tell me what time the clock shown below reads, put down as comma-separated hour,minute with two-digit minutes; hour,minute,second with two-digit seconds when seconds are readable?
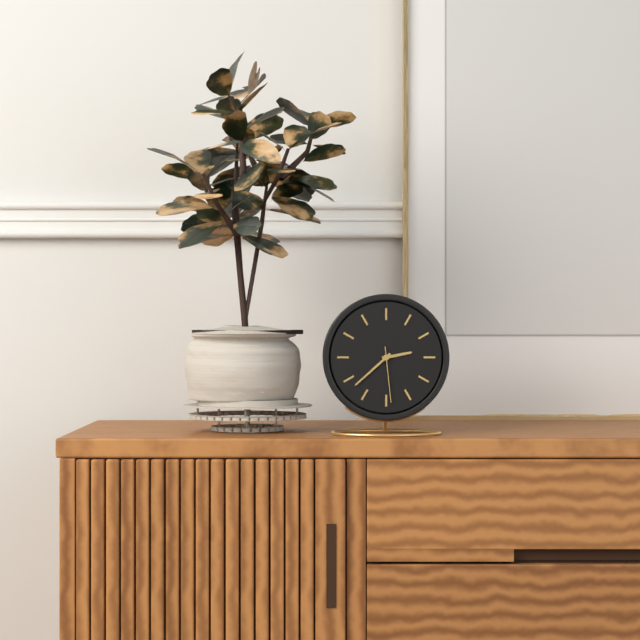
2,38,29
